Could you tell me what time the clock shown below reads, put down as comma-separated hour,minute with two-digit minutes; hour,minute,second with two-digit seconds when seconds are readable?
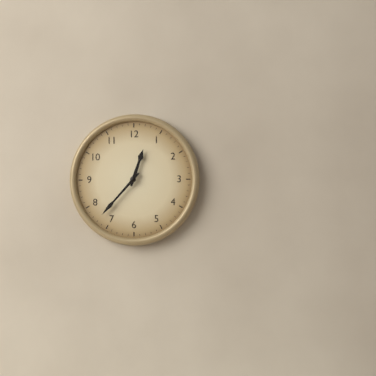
12,37
